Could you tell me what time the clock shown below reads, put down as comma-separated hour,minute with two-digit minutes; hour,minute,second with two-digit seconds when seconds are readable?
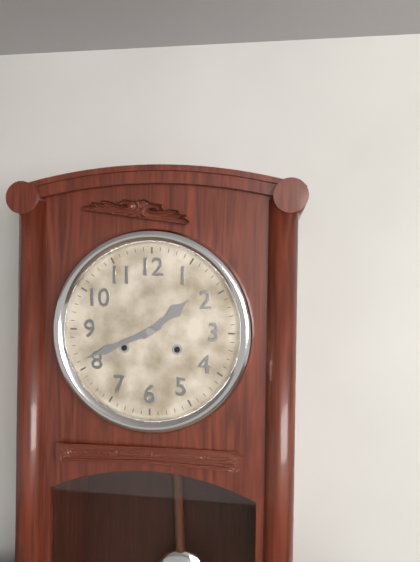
1,41
